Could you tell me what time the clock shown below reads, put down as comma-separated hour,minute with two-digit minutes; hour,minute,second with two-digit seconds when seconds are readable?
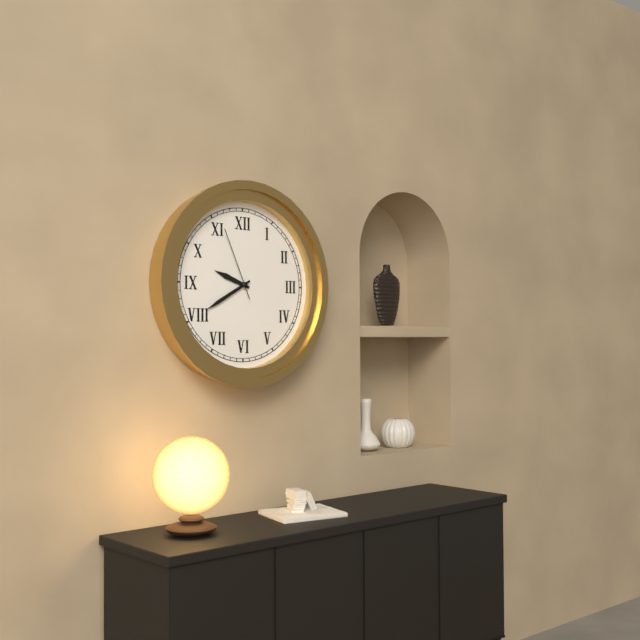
9,40,56
